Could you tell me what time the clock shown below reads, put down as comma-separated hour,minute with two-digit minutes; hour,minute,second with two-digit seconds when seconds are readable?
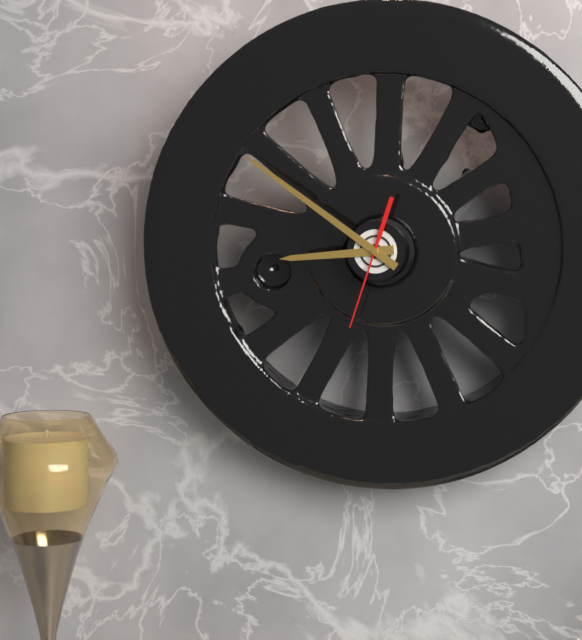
8,51,33
